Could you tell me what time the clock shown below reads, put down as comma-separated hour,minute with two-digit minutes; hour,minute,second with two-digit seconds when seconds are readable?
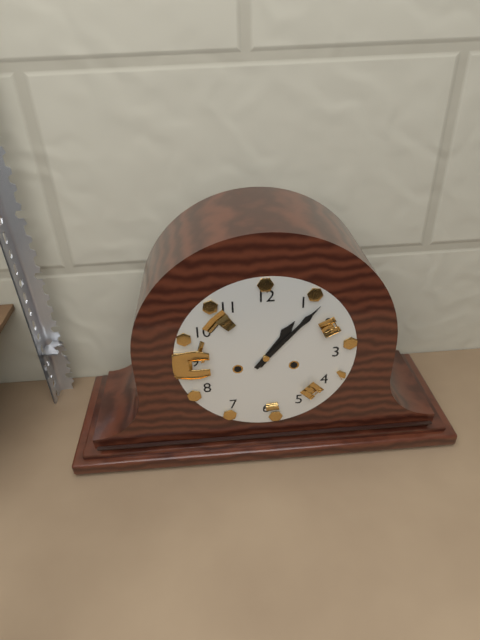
1,07
